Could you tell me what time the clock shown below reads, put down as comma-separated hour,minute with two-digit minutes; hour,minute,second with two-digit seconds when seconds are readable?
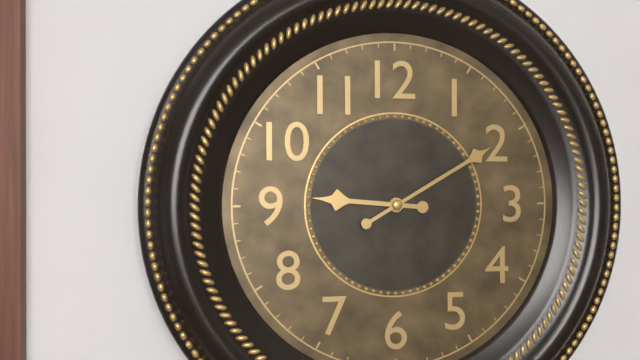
9,10
